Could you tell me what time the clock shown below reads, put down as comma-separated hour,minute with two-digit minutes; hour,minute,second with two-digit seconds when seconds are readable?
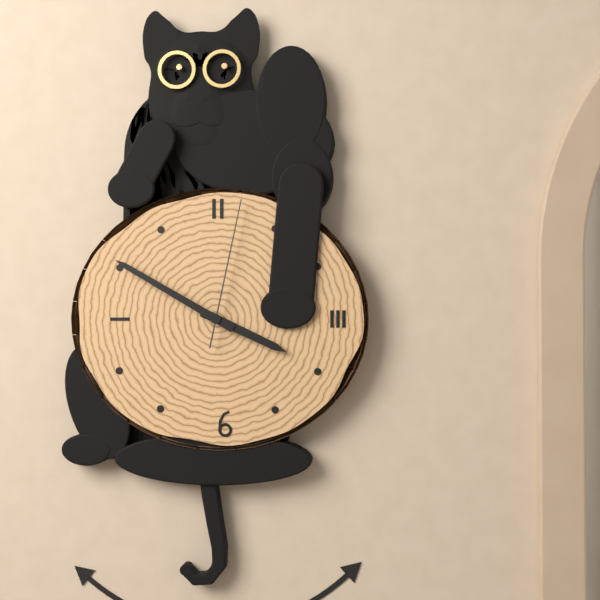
3,50,02
